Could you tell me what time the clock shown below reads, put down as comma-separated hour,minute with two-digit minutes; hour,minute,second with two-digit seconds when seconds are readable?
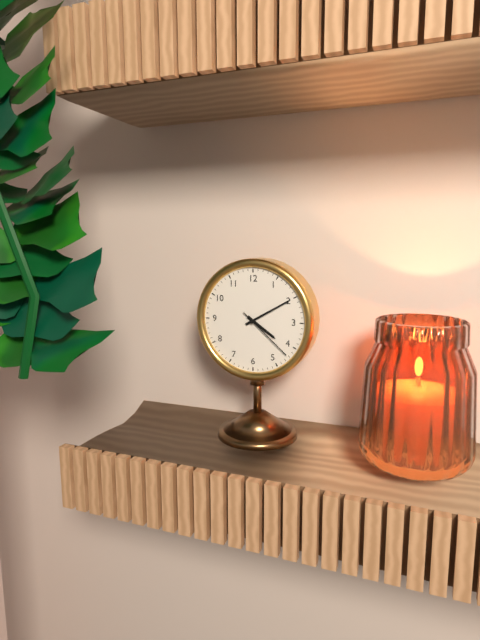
4,10,22
